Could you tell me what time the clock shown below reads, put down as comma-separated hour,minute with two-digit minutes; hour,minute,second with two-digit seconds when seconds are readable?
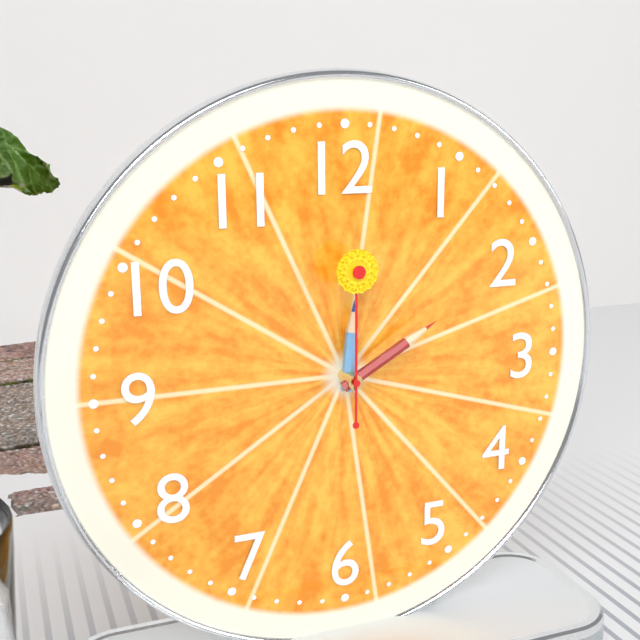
12,10,00
